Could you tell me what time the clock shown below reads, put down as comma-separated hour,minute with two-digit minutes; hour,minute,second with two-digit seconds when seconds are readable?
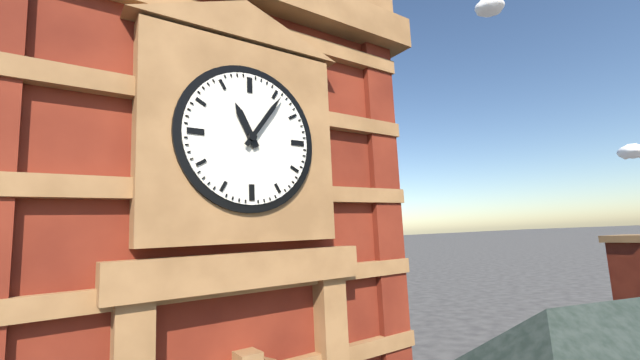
11,06
